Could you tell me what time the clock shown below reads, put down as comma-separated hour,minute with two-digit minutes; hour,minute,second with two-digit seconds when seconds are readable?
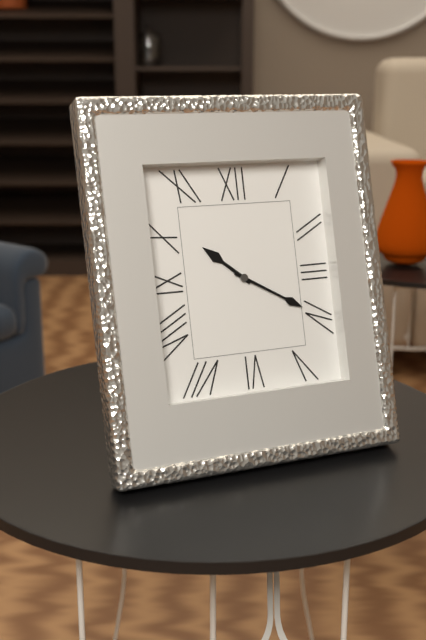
10,20
